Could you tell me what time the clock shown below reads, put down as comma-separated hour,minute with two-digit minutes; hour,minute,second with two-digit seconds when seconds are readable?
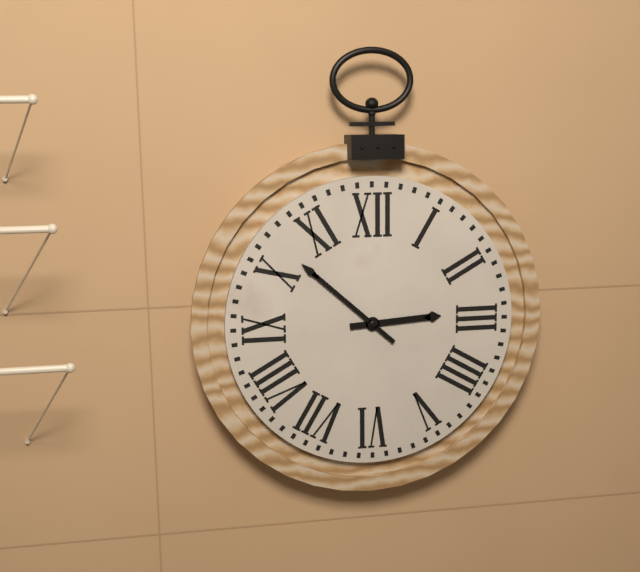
2,52
